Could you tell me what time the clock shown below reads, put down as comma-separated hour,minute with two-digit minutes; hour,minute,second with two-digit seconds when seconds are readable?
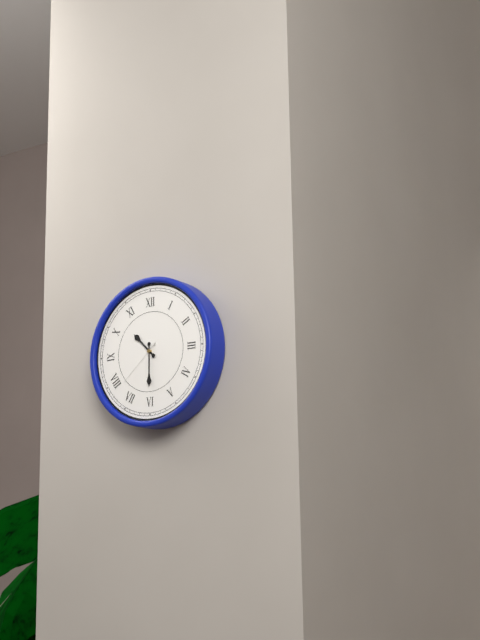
10,30
